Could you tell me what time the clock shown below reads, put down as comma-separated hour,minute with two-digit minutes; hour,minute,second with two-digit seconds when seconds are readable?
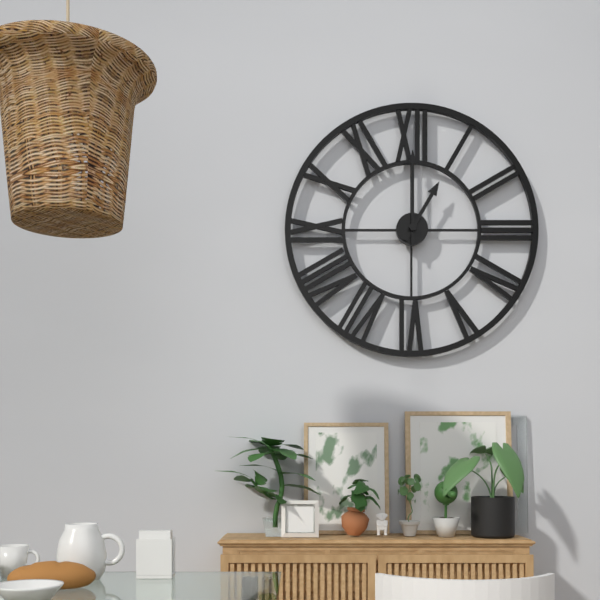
1,00
